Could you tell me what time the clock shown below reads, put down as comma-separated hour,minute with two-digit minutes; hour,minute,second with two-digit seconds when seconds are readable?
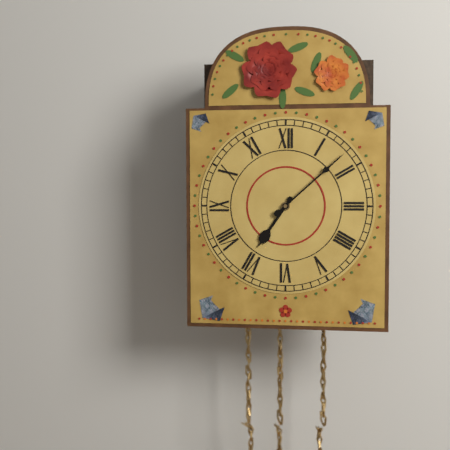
7,08
